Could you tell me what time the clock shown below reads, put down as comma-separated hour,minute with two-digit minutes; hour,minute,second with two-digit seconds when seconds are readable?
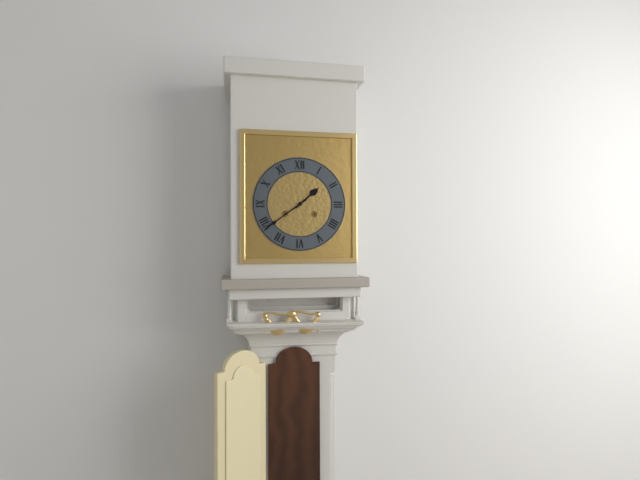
1,39
